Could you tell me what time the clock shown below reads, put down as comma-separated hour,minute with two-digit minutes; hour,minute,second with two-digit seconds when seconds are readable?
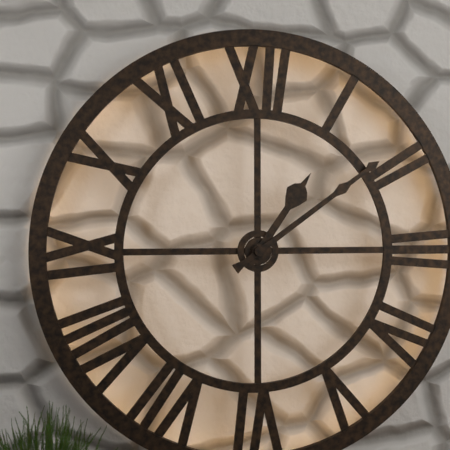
1,09
